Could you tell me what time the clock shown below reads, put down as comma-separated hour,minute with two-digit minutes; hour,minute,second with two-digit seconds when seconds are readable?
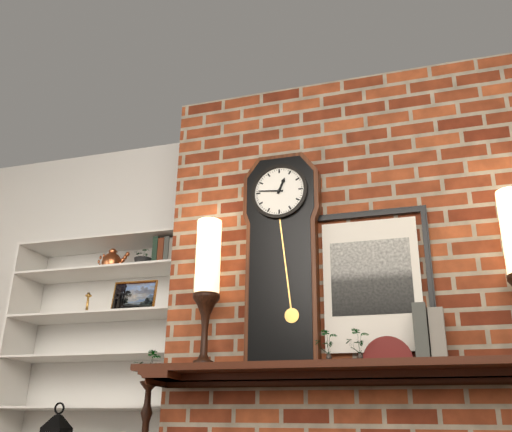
12,46
